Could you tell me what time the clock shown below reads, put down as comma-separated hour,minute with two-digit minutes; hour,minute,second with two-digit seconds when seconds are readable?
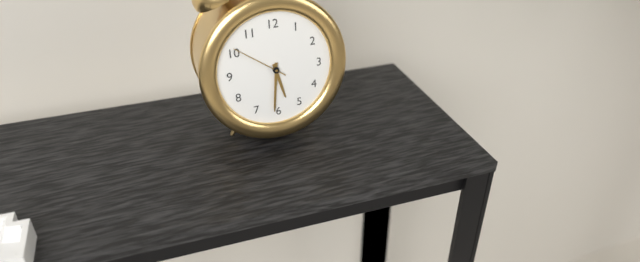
5,31,51
